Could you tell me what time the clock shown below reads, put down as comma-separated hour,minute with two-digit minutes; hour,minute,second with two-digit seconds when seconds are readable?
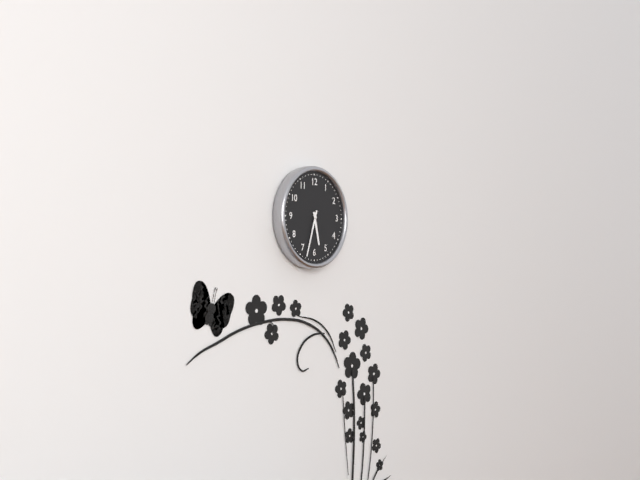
5,33
